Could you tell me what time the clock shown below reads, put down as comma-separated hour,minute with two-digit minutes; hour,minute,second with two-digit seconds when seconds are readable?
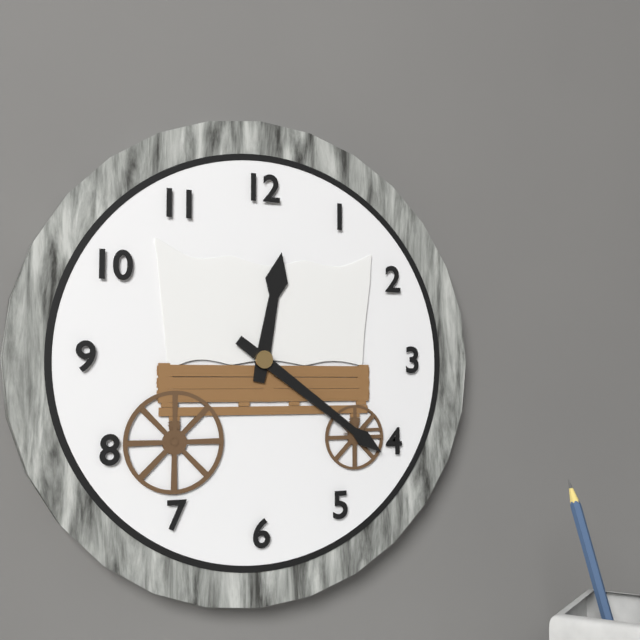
12,21
